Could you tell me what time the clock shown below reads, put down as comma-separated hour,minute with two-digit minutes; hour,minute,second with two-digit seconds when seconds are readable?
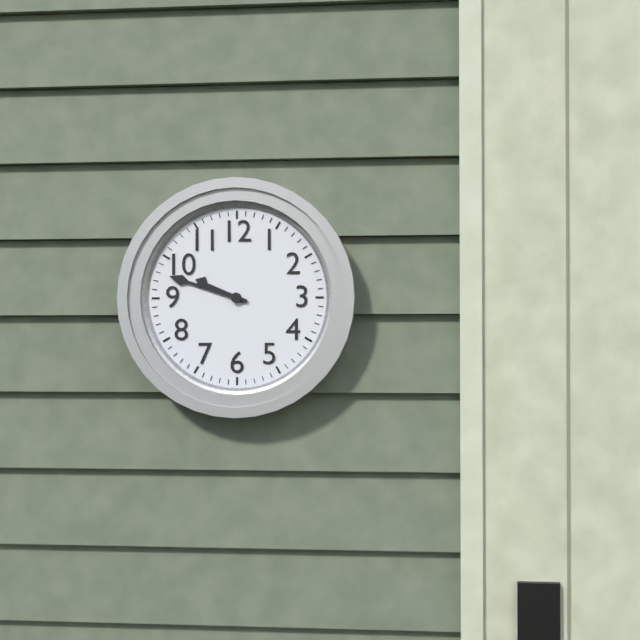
9,48
